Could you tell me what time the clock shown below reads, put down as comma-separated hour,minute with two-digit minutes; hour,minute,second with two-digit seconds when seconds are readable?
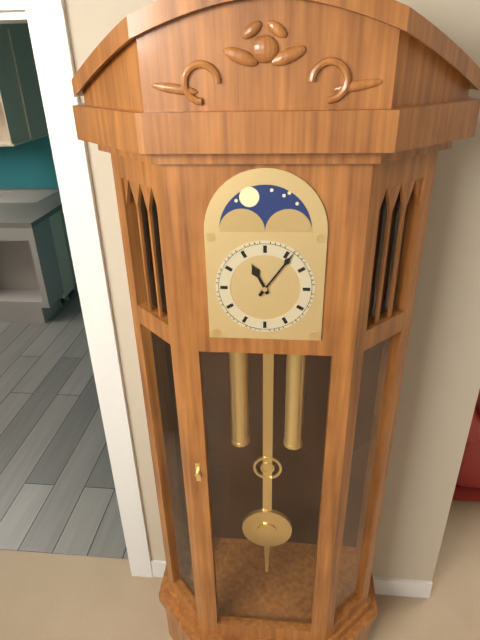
11,06
